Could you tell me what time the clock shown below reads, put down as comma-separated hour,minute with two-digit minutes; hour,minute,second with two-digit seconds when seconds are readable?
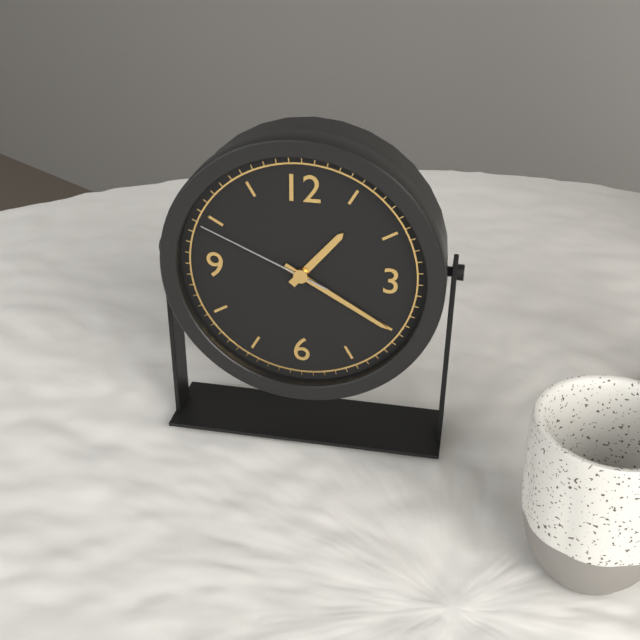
1,20,49
